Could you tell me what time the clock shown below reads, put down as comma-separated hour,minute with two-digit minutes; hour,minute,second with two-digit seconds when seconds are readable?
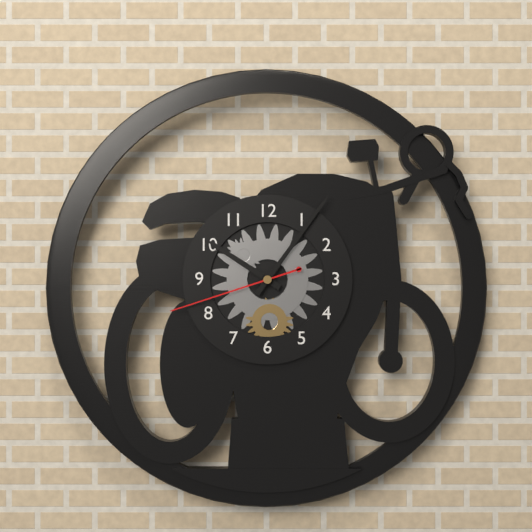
10,06,42
